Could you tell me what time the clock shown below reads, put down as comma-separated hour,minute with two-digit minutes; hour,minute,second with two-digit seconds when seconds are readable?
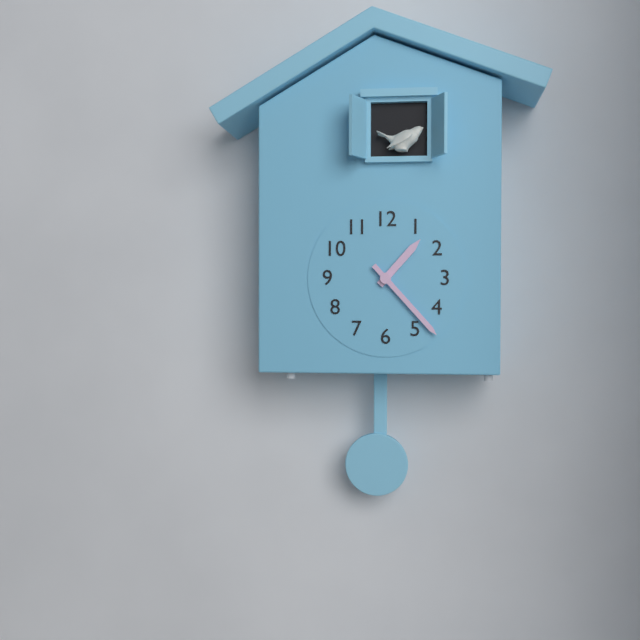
1,23
